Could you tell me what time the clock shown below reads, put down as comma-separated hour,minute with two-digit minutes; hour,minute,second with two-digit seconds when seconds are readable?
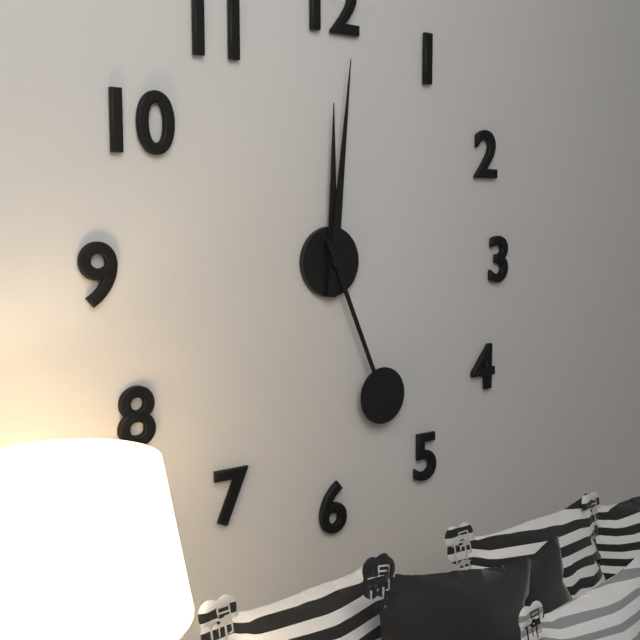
12,01,26
